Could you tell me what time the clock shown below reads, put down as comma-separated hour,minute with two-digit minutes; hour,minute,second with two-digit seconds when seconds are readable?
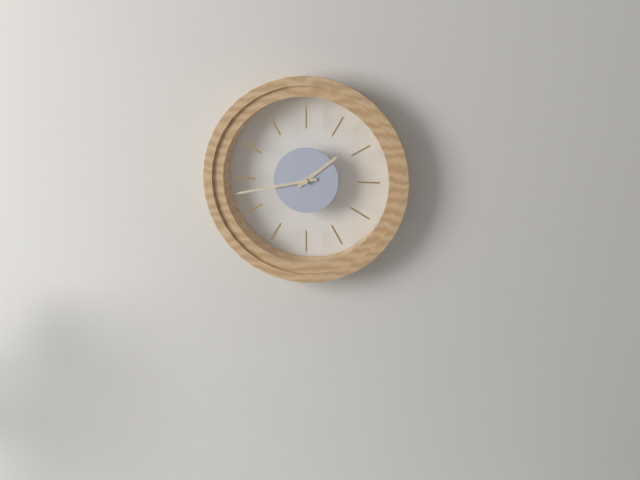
1,43
